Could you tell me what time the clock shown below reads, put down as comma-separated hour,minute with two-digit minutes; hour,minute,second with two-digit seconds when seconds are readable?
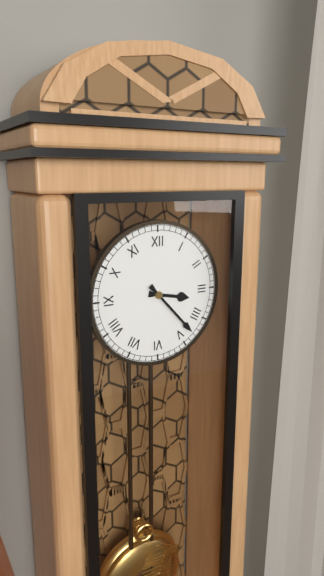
3,23
